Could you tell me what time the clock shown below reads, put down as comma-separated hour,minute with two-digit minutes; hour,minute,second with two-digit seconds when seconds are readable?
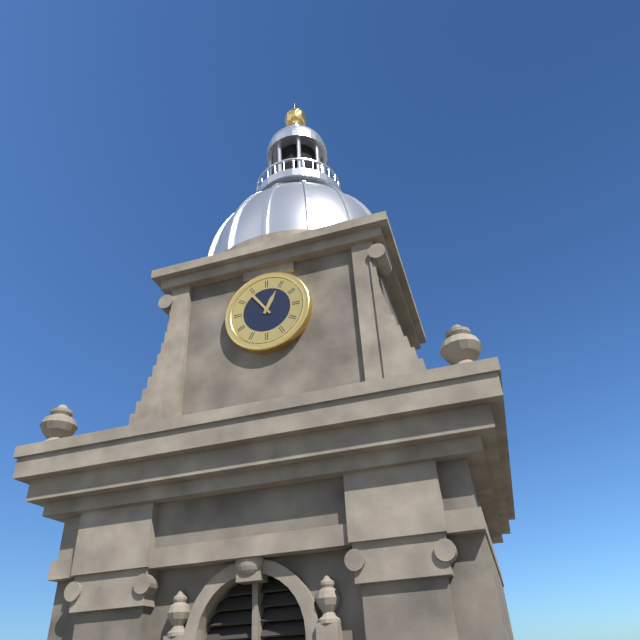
12,54
